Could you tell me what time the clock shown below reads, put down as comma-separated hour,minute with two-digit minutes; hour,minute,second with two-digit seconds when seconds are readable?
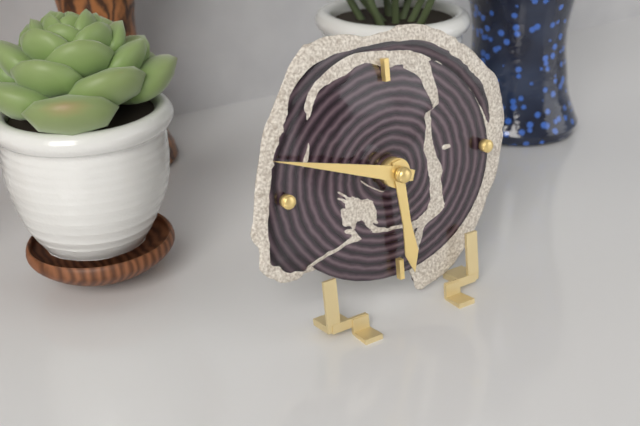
5,48
